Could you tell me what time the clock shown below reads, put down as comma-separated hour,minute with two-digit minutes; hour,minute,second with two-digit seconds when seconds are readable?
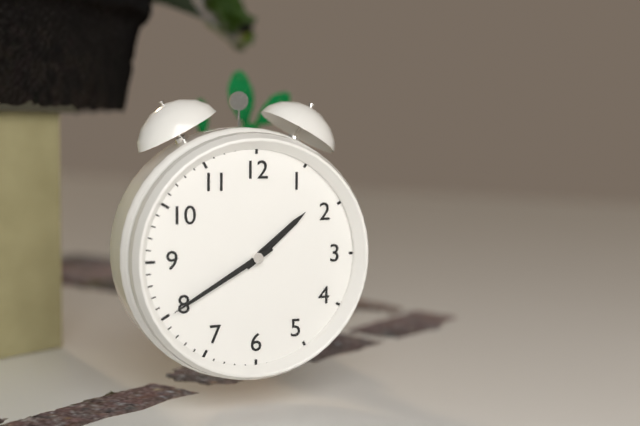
1,40
